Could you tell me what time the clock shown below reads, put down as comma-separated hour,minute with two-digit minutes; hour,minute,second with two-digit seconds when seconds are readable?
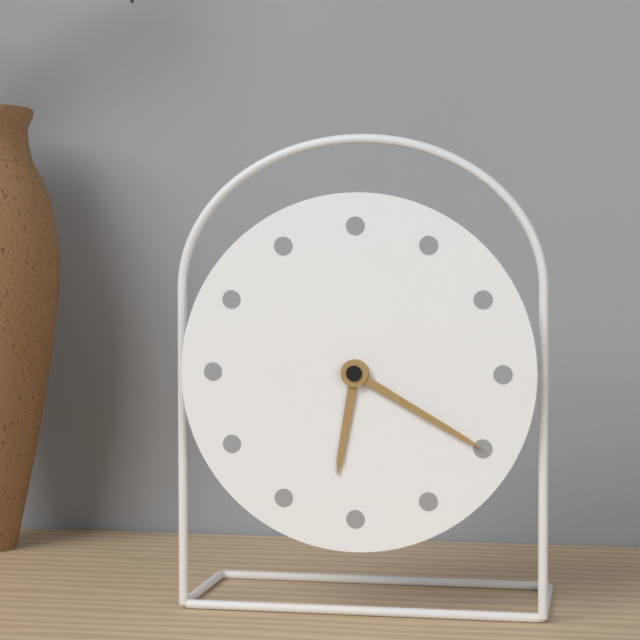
6,20
